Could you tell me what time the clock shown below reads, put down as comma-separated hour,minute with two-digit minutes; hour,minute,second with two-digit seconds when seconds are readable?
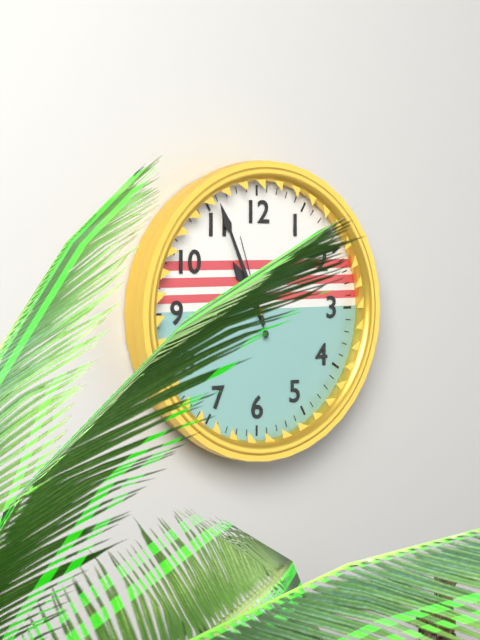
10,56,57
